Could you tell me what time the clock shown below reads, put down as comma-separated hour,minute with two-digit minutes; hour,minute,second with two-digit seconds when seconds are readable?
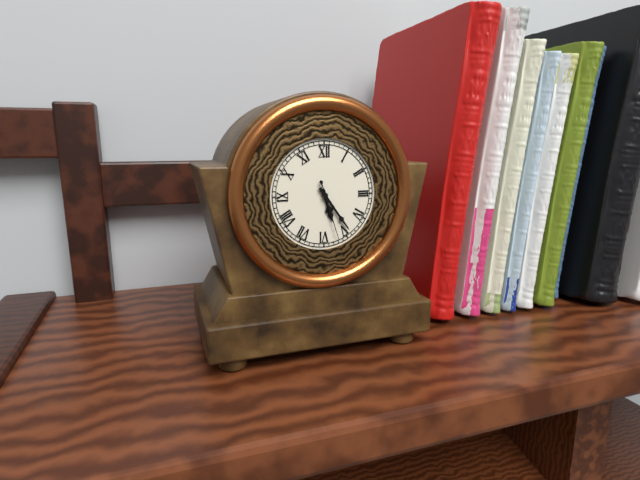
5,24,27
